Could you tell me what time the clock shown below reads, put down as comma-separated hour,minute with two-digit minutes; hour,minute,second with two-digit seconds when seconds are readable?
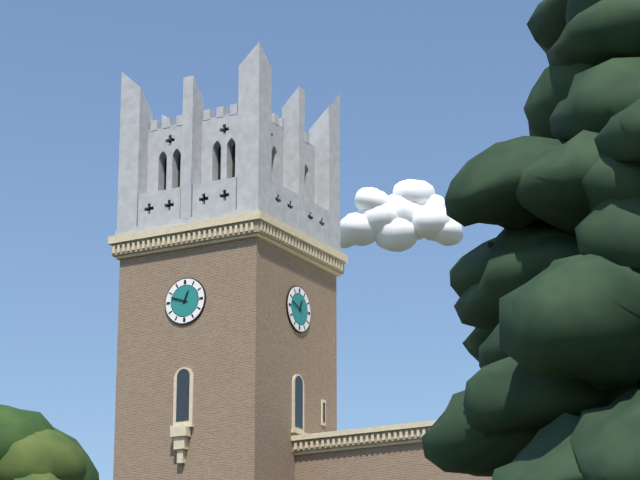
12,48
